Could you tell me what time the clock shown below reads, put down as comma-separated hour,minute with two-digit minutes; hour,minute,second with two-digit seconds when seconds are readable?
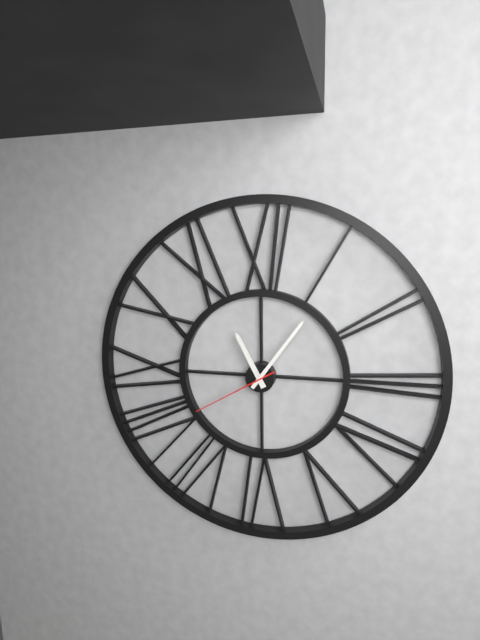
11,06,40
